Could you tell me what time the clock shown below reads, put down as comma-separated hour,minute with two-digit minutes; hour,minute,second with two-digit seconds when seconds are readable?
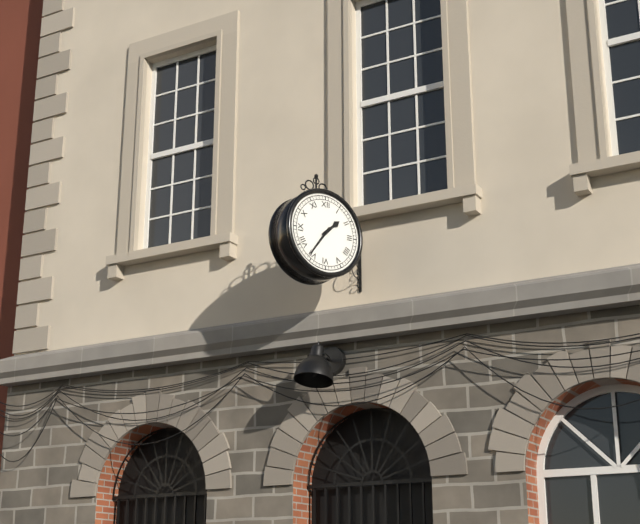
1,36
